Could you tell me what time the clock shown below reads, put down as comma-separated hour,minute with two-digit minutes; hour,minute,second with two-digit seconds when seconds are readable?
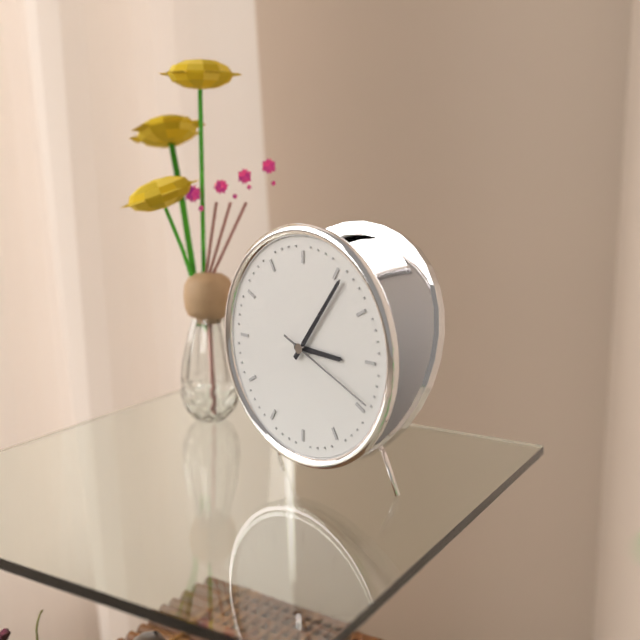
3,06,19
